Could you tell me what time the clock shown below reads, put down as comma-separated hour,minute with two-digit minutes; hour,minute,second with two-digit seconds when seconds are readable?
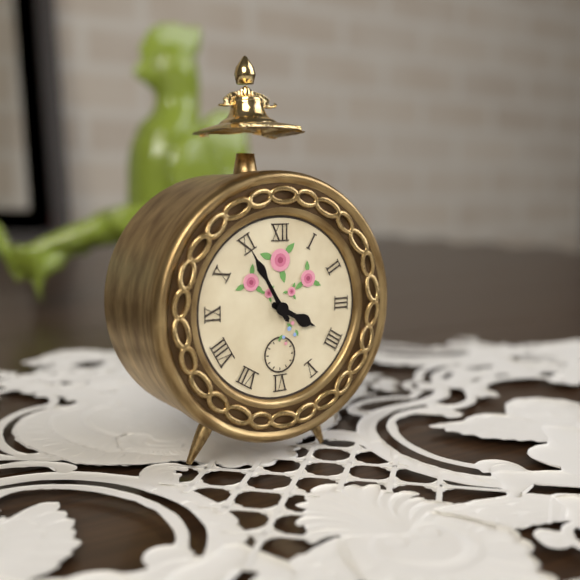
3,55
